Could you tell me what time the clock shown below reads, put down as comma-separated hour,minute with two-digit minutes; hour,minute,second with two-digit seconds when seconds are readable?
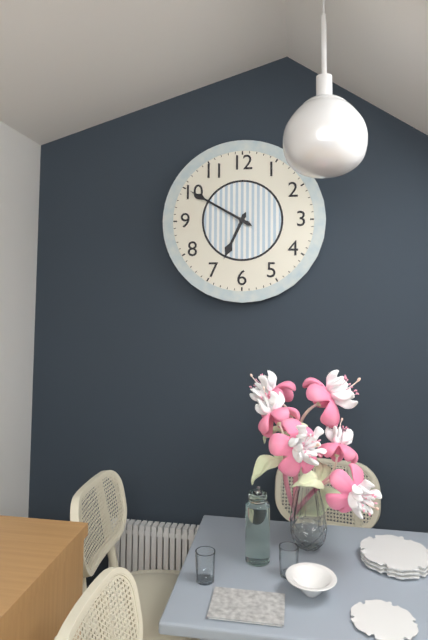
6,50
